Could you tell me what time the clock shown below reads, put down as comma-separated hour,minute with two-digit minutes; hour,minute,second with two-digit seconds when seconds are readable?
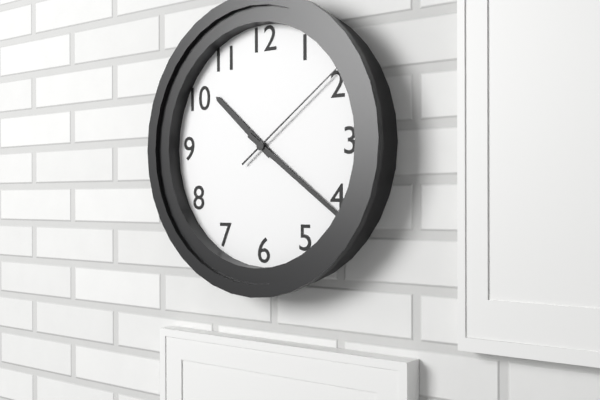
10,21,09
